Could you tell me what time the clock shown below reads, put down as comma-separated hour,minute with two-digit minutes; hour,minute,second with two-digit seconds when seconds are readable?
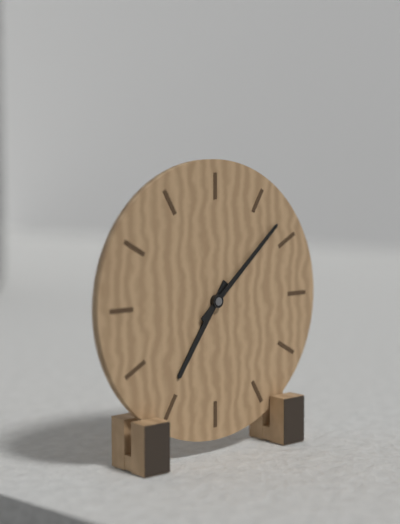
7,08
